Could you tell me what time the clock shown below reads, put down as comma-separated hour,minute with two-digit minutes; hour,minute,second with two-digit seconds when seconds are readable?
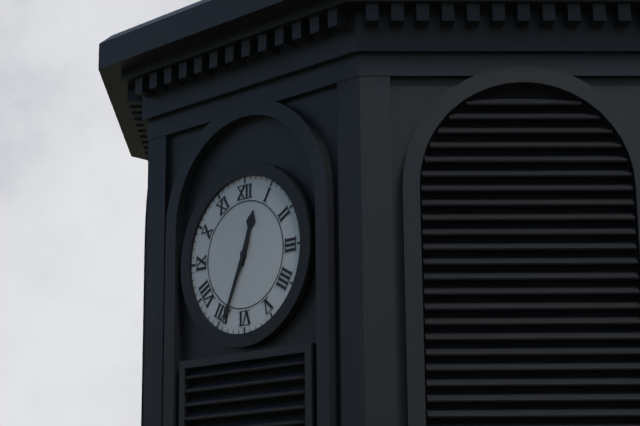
12,34
